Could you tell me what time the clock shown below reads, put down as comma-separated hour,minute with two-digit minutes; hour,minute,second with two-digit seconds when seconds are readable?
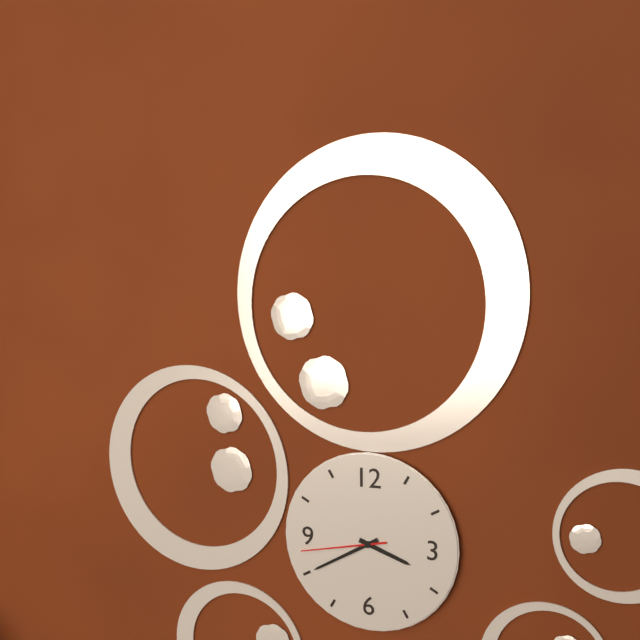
3,40,43
